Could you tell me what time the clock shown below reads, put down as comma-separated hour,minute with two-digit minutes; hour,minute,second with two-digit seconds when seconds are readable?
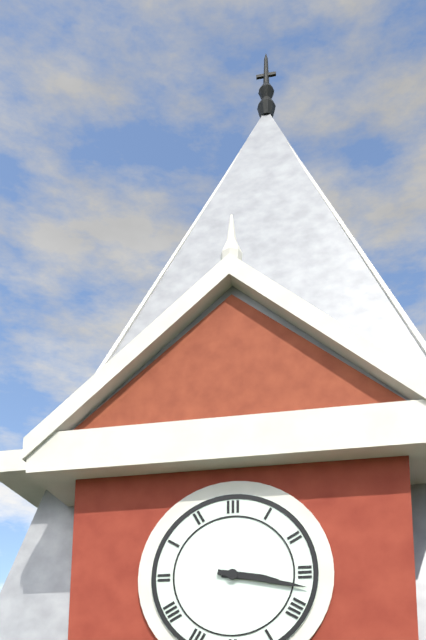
3,17
